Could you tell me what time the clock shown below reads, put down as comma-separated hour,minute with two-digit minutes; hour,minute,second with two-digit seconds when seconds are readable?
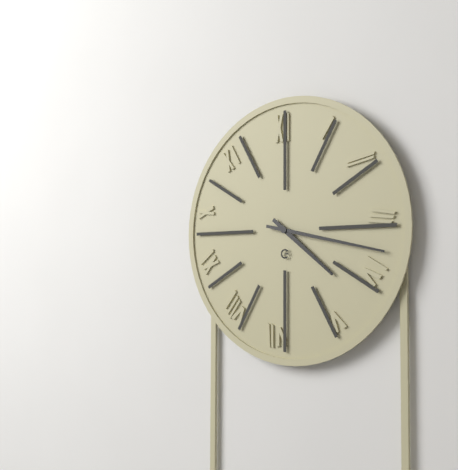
4,17
